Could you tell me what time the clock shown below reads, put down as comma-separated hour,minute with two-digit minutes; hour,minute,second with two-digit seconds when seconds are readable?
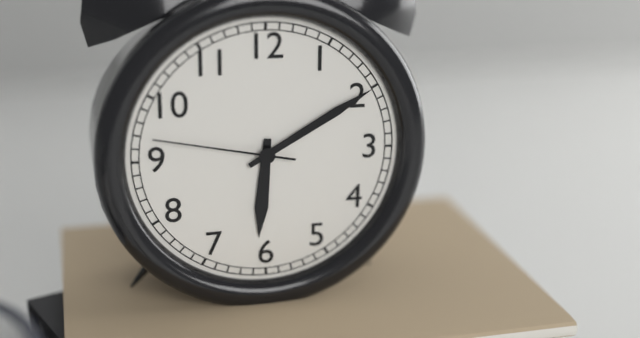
6,10,47
